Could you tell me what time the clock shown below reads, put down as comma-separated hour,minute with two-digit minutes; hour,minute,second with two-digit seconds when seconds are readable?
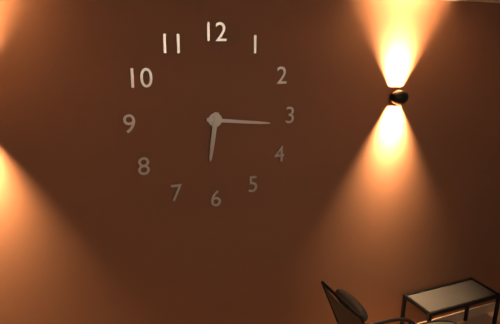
6,16
